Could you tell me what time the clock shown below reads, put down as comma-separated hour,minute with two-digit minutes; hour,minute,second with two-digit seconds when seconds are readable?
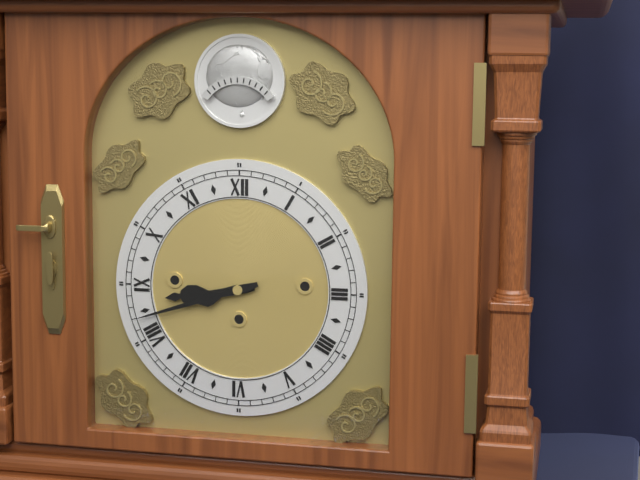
8,42
